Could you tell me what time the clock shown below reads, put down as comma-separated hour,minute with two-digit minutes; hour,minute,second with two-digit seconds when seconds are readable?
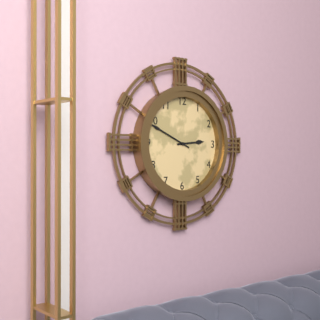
2,49
